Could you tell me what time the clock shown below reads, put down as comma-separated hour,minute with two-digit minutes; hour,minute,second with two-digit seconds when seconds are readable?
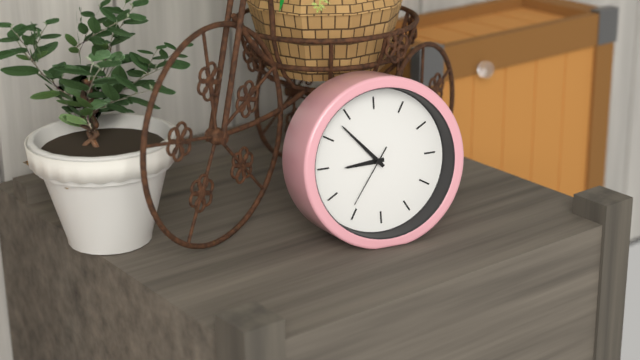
8,53,36
